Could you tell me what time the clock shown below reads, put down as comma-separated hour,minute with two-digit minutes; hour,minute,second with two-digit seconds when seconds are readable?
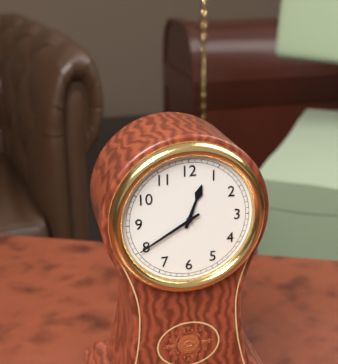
12,40
